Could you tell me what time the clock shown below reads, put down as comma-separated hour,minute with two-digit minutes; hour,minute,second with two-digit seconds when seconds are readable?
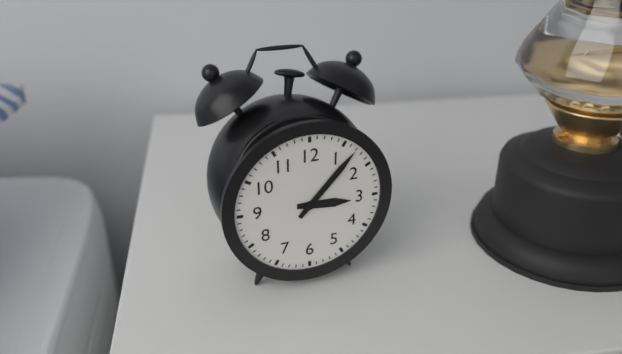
3,07
